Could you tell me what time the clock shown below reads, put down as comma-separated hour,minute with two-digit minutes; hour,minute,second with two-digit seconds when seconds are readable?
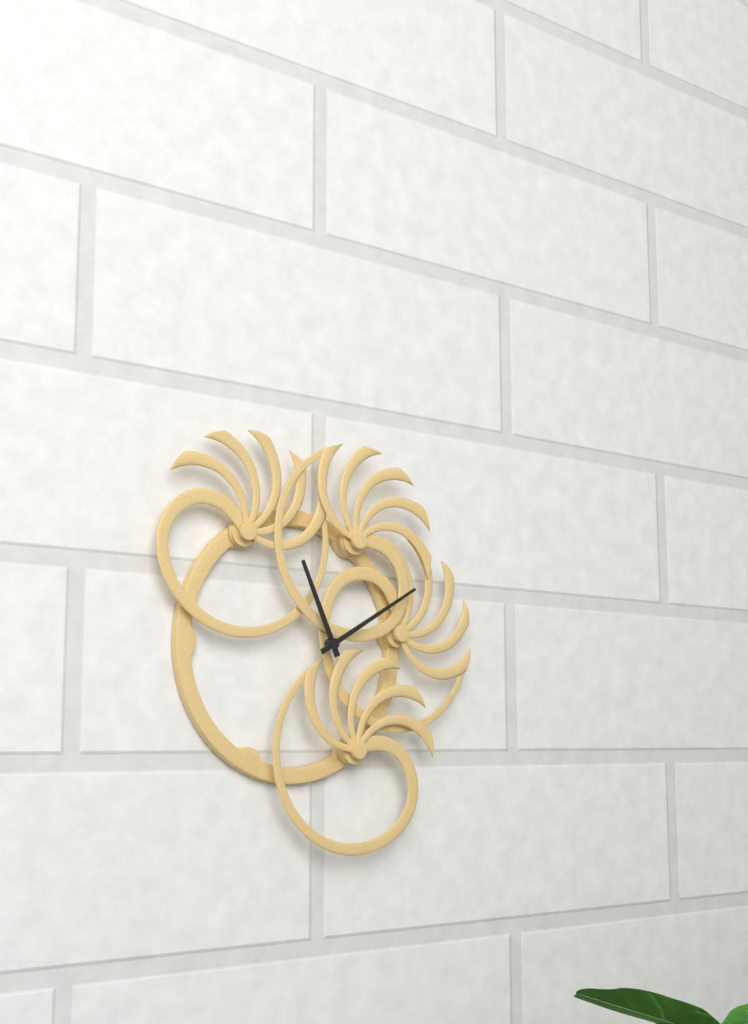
11,10
